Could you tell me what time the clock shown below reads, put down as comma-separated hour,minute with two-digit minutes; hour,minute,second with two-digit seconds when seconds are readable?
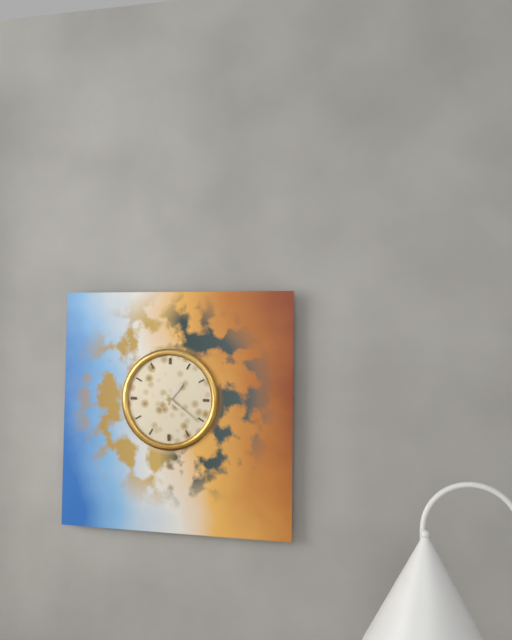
1,21
